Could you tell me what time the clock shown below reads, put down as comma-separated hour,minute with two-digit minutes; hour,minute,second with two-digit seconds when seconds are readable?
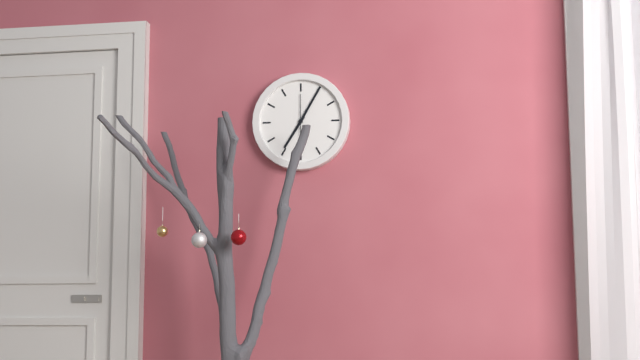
7,05
